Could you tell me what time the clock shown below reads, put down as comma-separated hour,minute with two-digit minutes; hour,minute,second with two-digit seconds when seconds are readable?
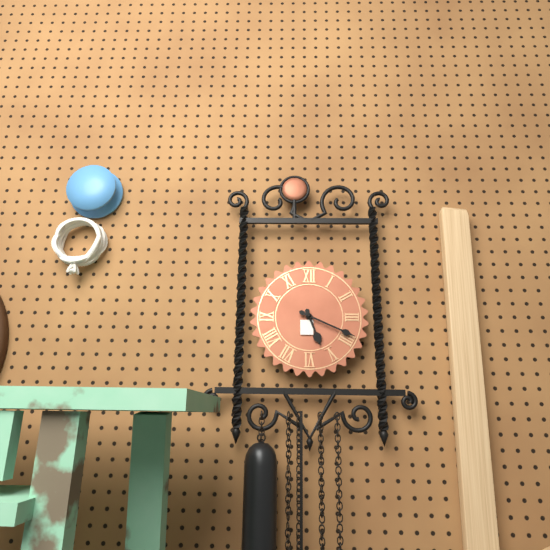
5,19
